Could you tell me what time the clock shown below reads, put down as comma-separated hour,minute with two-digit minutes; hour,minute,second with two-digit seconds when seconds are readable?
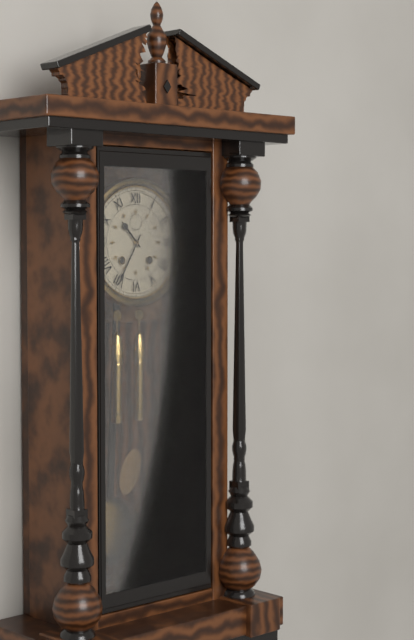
10,35
